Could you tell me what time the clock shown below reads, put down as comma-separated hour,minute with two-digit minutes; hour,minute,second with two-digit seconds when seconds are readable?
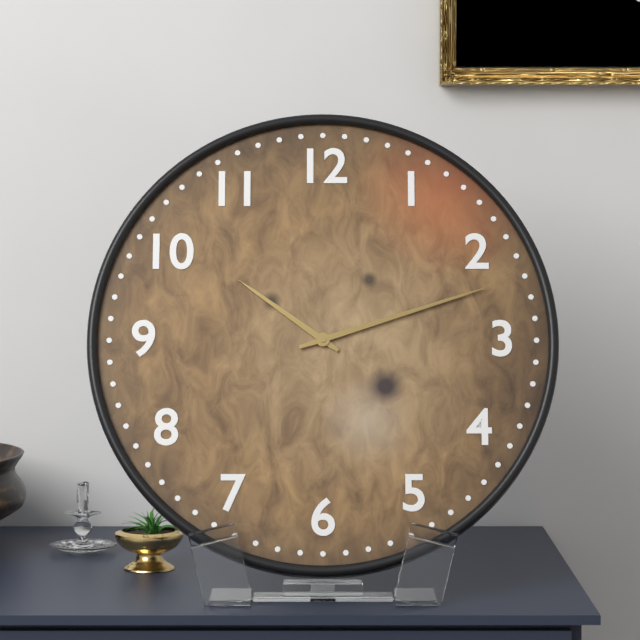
10,12
